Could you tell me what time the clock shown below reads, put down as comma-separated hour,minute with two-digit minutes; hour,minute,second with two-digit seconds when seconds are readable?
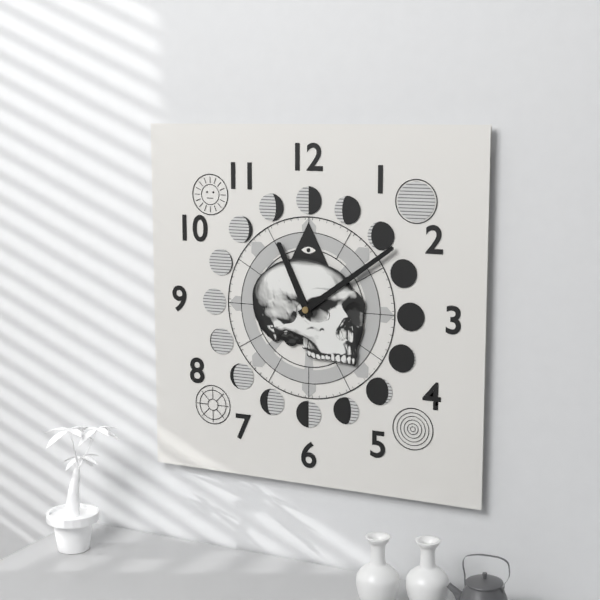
11,09
